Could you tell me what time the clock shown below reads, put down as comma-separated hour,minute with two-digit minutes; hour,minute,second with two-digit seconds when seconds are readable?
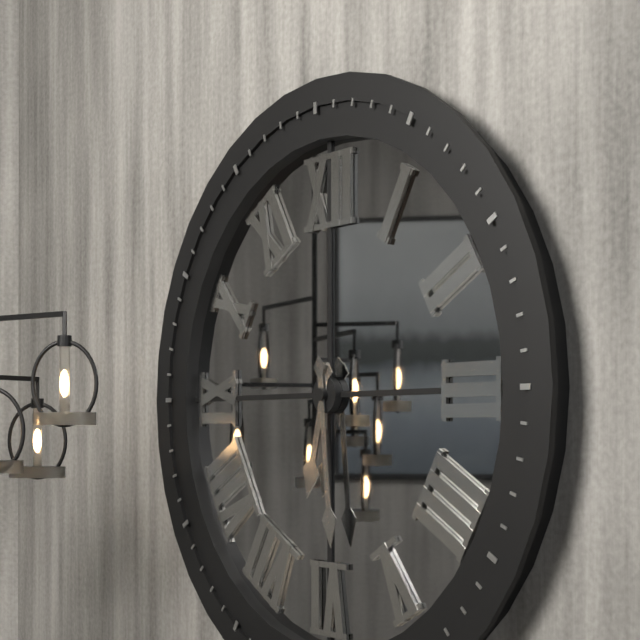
6,29
